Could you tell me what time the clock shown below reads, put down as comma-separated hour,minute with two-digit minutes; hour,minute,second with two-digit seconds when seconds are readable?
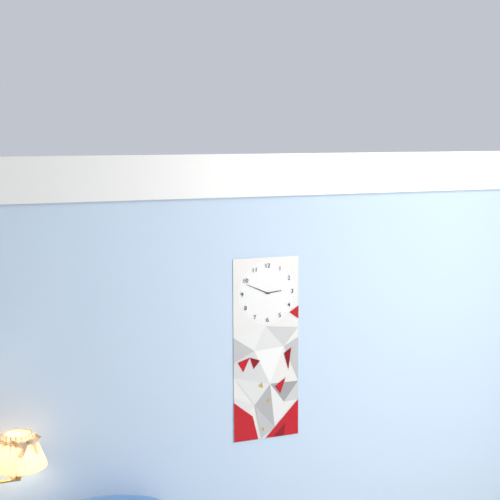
2,49
